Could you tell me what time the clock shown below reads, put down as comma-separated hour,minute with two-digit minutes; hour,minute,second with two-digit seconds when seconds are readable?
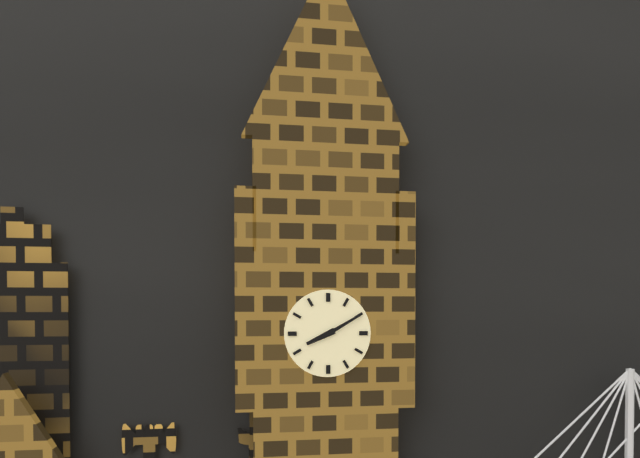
8,10
